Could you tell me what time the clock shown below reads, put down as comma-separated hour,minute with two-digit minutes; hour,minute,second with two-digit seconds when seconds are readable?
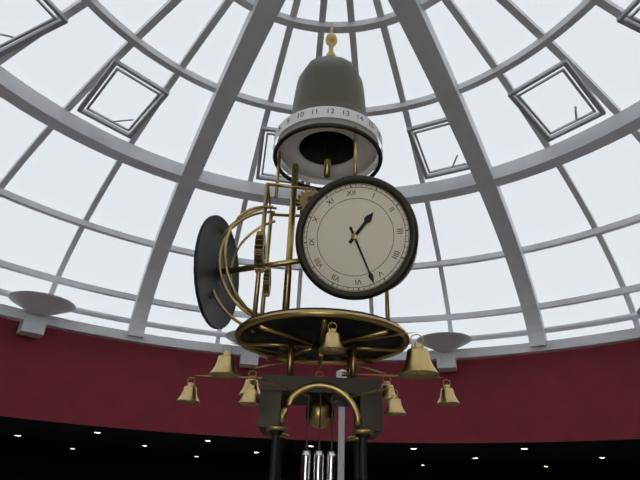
1,27
